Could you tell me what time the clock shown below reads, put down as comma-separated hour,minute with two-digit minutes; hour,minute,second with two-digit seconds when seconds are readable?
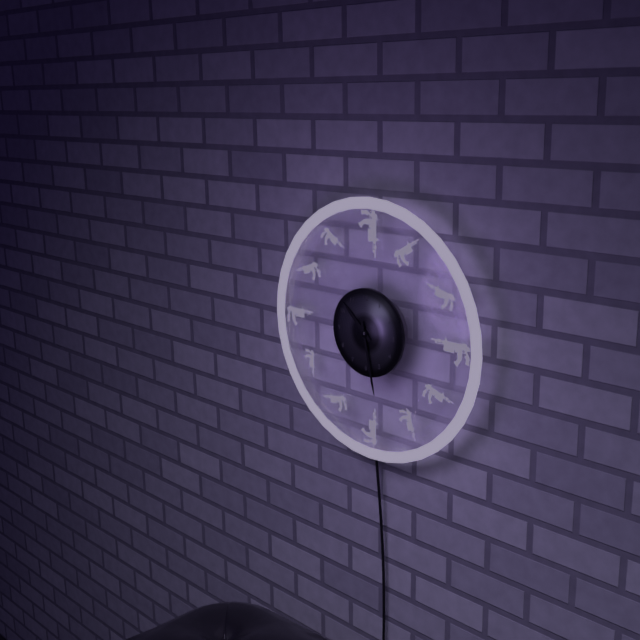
10,28
